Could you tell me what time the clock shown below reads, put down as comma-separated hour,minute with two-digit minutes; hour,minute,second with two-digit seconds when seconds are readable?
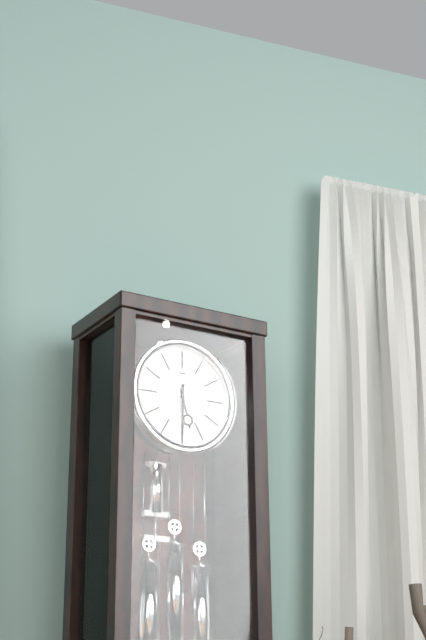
5,30
